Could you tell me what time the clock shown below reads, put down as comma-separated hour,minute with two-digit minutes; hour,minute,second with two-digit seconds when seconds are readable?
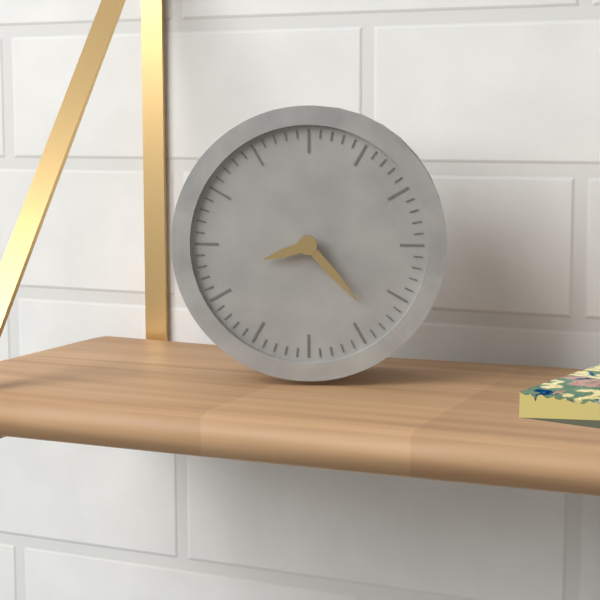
8,23
